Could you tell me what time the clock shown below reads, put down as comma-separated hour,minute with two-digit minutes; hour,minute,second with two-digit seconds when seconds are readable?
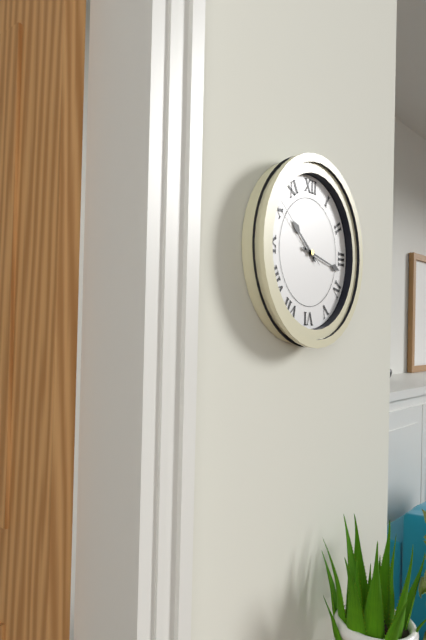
10,17,51
